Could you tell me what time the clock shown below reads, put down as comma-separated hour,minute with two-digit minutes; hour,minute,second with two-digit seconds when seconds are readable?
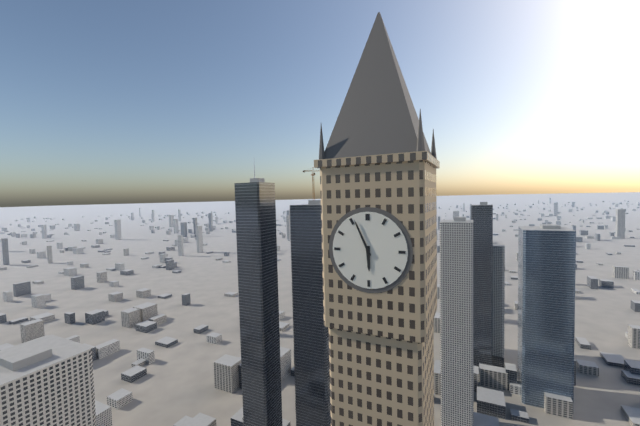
5,56
